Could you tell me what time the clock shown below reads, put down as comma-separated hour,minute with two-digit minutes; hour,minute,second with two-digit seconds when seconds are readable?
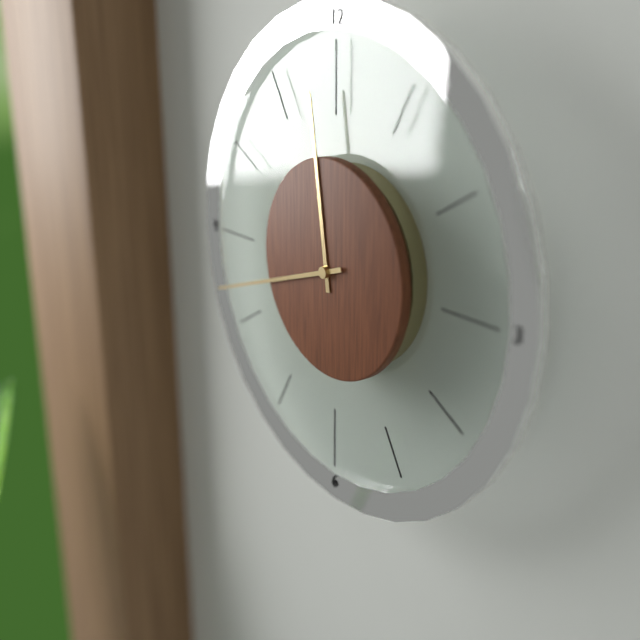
11,42
